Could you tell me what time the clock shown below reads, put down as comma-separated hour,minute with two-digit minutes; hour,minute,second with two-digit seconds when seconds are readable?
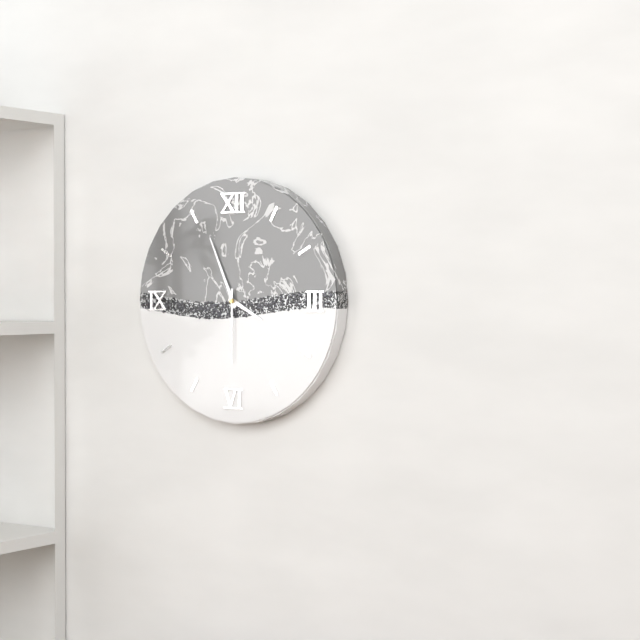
3,56,30
